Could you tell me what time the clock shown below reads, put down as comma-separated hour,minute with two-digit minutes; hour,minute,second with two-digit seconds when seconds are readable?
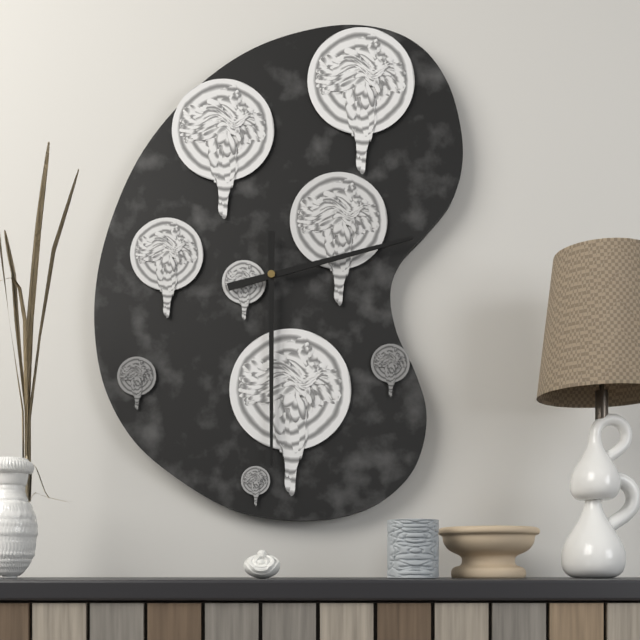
2,30
